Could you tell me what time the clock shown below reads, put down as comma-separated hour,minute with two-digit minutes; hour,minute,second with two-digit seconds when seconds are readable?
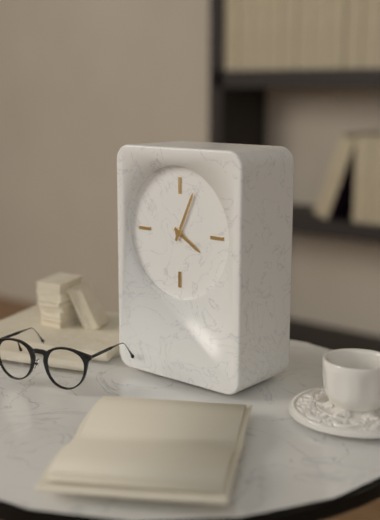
4,04
